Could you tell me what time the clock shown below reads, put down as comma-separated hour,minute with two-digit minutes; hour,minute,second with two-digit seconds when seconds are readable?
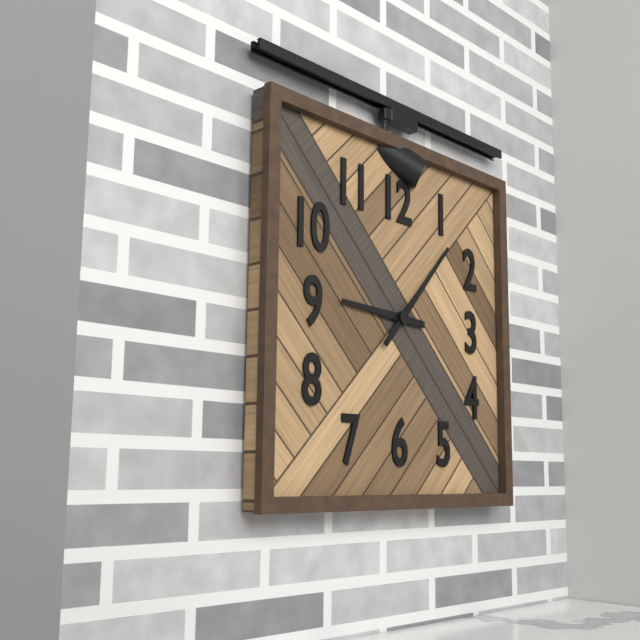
9,07
